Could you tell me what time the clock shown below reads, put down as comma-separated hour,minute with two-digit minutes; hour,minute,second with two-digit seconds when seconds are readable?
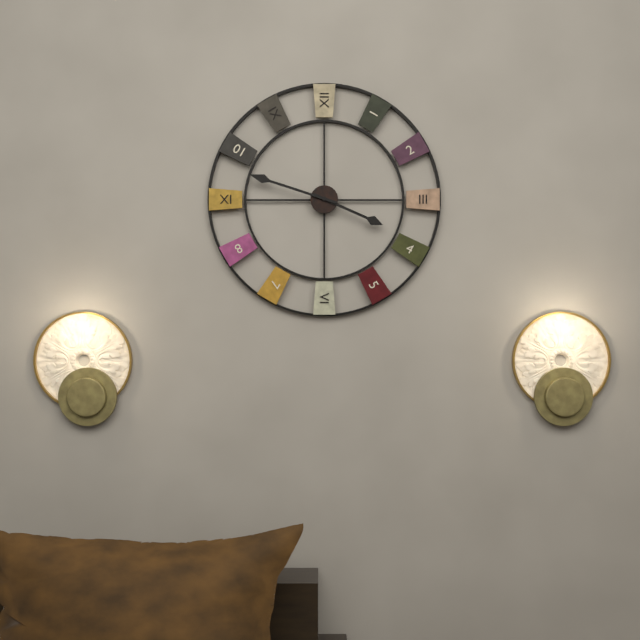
3,48
